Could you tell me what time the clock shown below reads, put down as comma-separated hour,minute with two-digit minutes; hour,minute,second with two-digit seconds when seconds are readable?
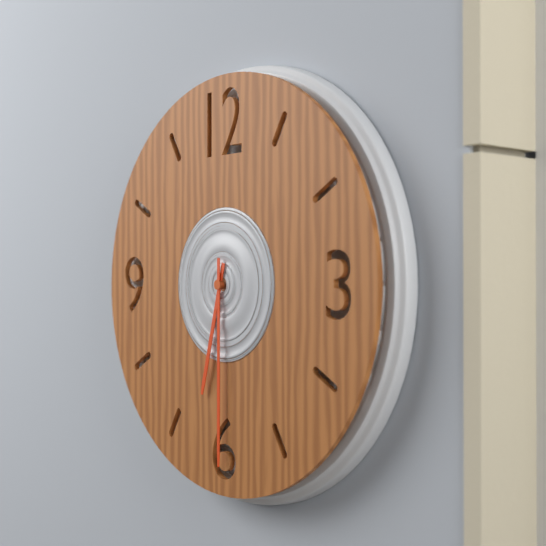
6,30
